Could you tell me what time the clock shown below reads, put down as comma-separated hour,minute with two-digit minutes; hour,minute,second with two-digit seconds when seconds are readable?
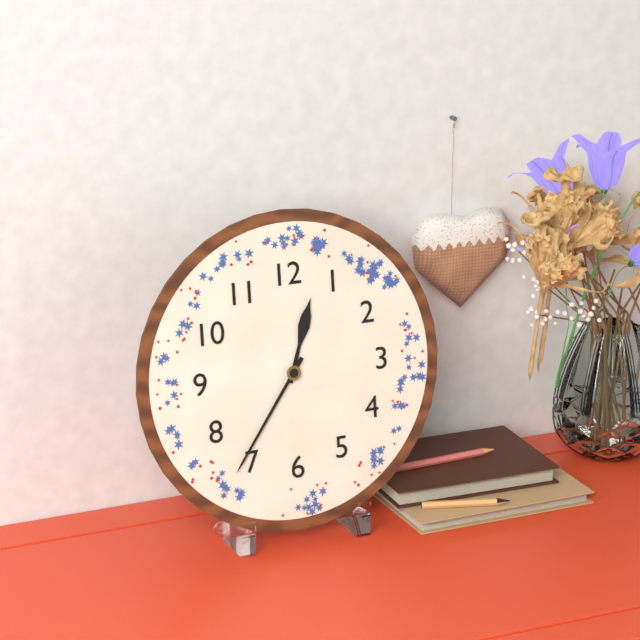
12,36
